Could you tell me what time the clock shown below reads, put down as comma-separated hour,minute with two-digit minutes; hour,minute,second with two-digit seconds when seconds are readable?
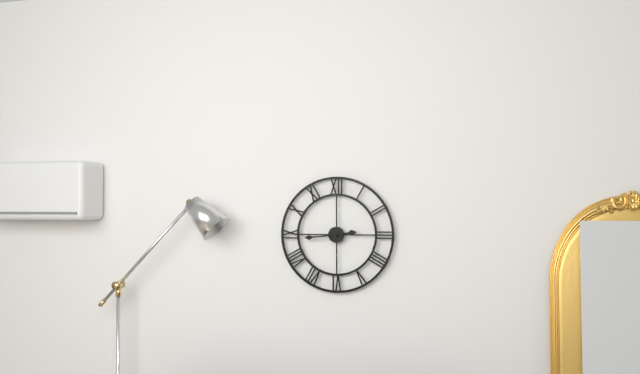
2,44
